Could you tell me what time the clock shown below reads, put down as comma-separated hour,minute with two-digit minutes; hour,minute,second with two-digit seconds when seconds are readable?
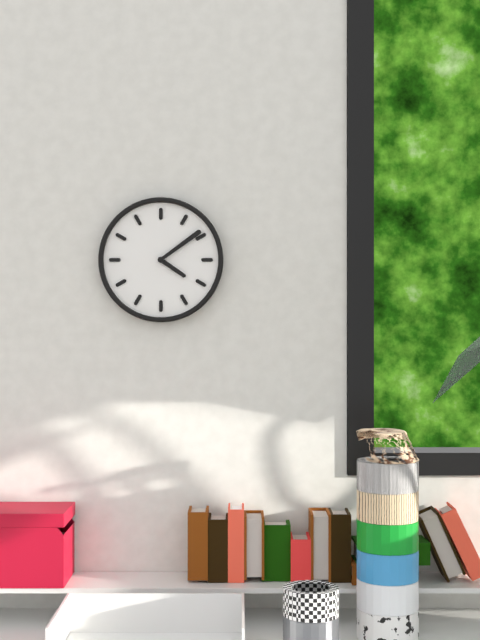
4,09
